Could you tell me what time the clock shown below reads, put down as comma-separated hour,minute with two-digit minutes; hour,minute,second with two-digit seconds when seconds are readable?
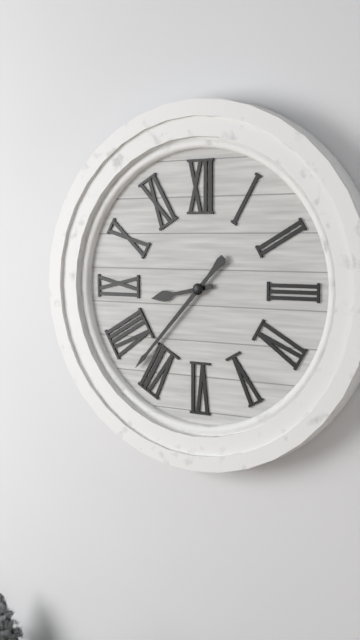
8,37
